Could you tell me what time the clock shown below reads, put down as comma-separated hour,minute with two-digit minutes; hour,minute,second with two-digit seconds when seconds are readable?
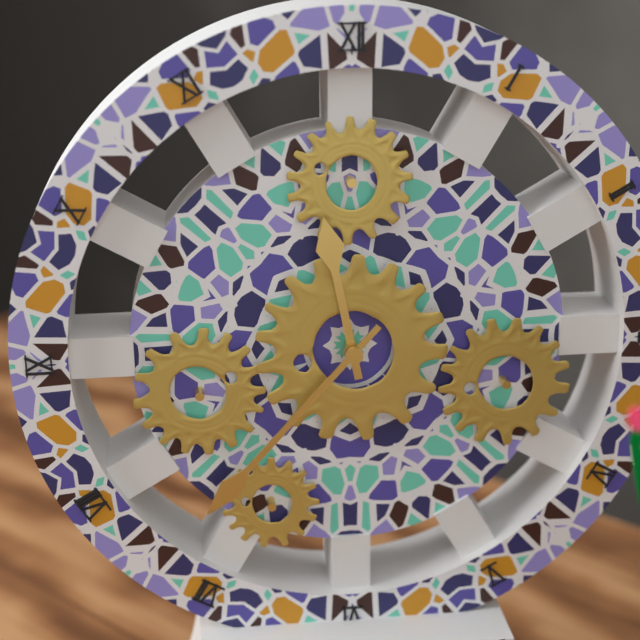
11,37
